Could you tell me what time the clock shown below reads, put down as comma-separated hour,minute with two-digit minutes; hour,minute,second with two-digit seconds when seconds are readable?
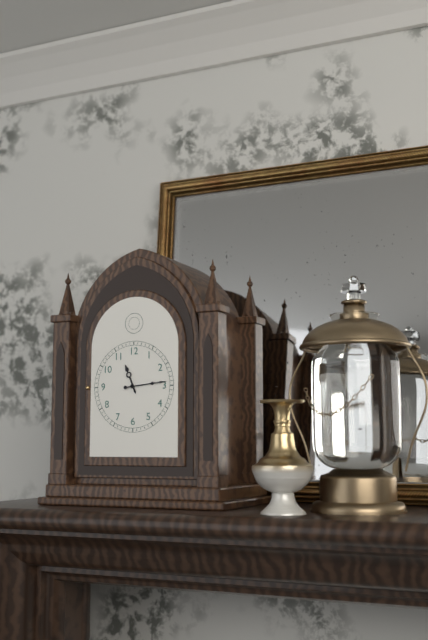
11,14
